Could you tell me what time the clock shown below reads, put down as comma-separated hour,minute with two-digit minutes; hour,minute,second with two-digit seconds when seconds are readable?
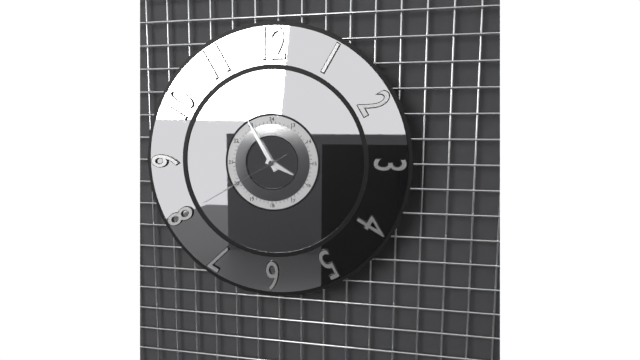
3,55,40
